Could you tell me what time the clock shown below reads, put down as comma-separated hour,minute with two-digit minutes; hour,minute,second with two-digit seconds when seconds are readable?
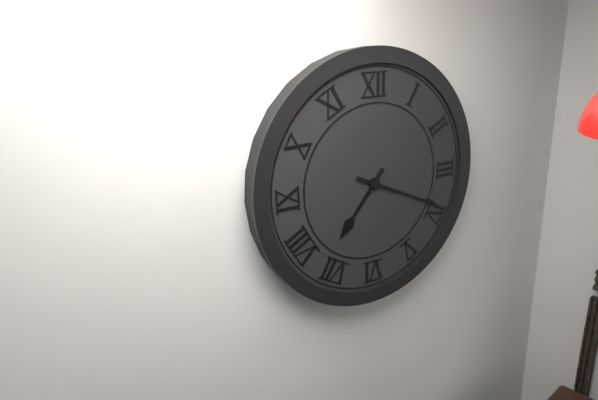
7,19
